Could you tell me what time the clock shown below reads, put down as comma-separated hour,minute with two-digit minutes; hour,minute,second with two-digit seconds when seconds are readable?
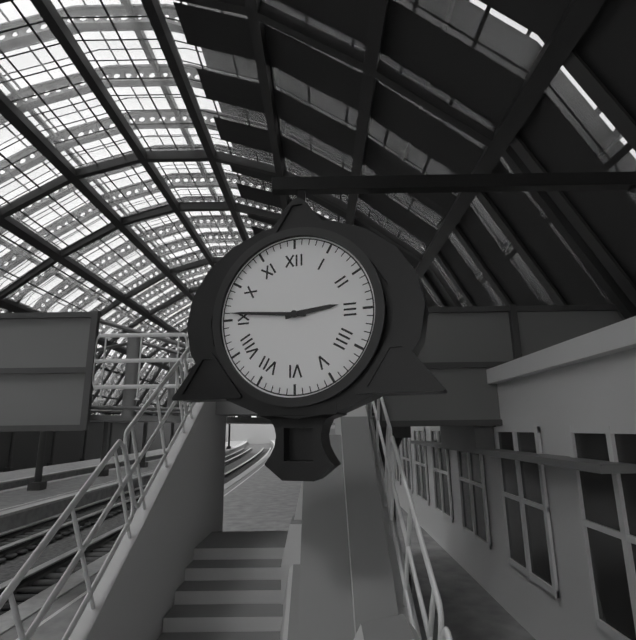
2,46
